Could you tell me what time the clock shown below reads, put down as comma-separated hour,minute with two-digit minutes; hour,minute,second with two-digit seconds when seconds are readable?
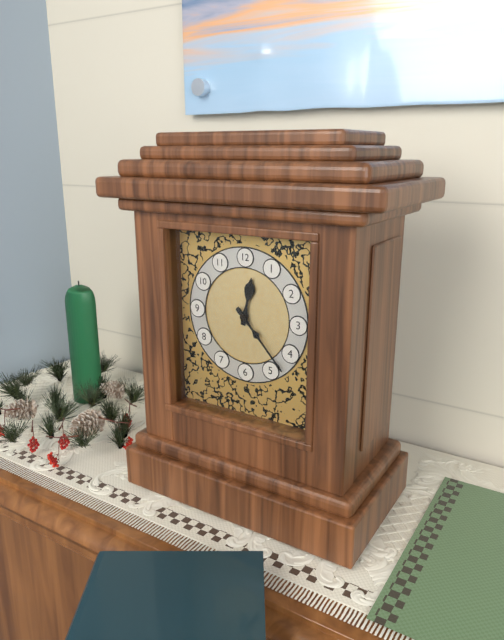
12,23
